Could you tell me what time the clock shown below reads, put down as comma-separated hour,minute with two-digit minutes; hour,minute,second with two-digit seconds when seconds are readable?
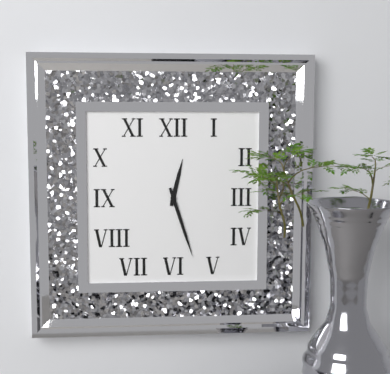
12,27
